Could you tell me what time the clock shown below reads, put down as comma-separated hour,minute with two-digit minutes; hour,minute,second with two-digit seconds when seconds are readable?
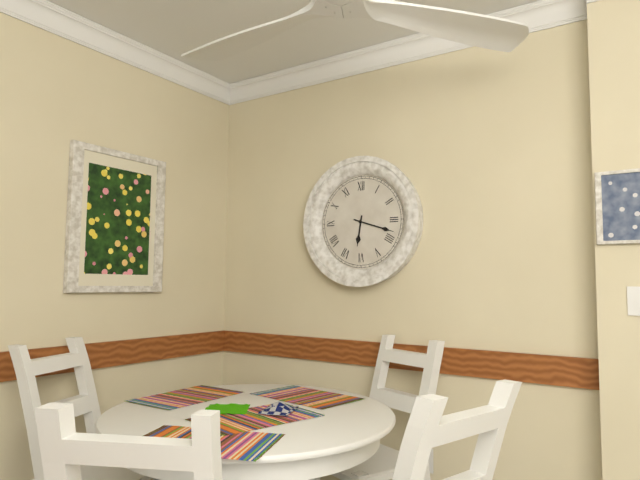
6,18
